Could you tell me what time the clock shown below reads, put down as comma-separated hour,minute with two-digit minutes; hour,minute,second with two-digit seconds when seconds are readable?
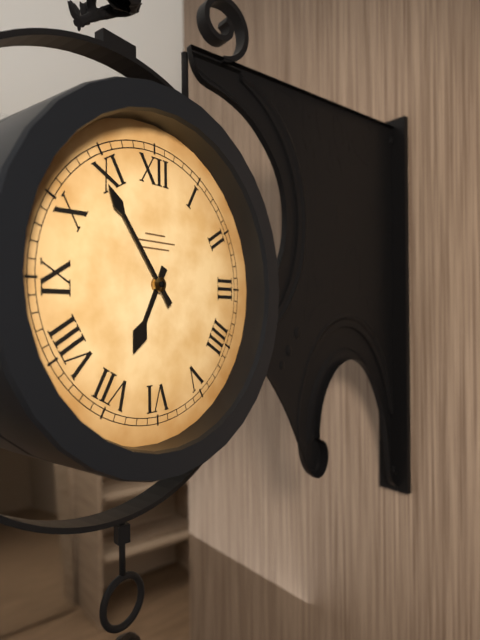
6,54
